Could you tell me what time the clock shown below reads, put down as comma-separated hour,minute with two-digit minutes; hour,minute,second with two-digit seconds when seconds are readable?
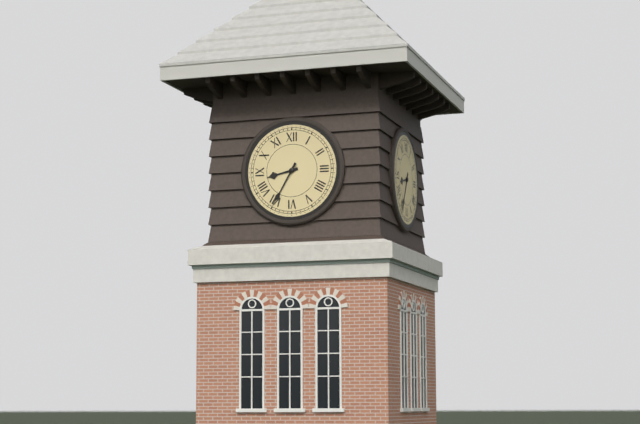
8,35
